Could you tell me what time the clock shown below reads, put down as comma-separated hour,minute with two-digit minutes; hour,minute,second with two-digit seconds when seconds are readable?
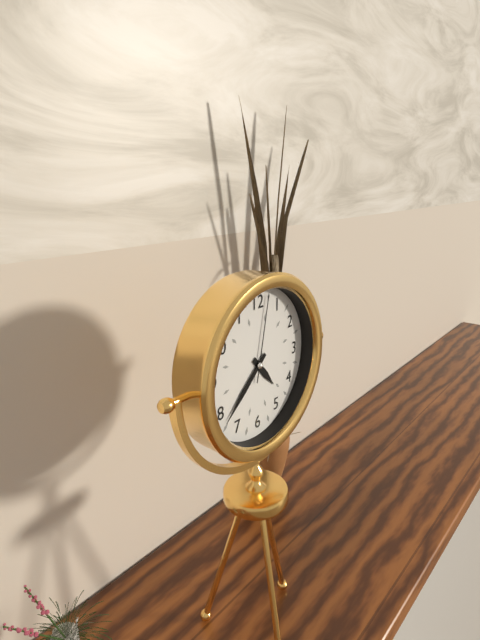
4,38,02
